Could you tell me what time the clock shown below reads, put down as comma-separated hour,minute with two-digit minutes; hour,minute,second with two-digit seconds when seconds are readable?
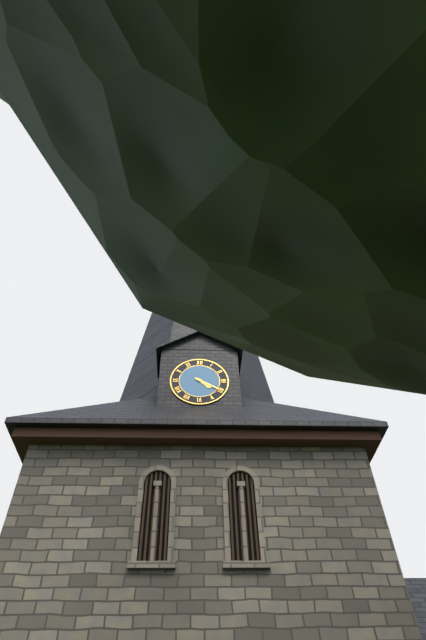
4,20
